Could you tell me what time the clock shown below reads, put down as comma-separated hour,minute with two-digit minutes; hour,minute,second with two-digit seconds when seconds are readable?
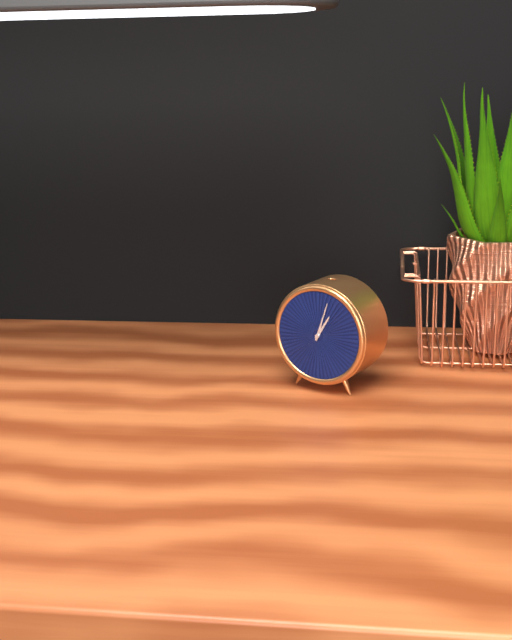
1,03
